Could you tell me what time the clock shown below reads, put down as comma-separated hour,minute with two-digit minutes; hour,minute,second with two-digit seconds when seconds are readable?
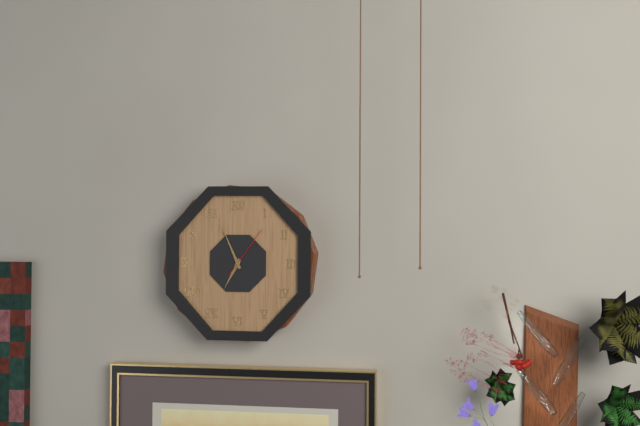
6,56
